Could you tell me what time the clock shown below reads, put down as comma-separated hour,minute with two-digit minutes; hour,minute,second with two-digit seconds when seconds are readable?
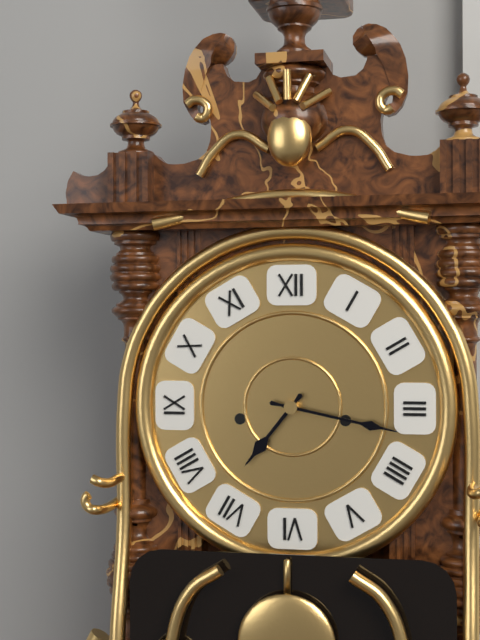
7,17
